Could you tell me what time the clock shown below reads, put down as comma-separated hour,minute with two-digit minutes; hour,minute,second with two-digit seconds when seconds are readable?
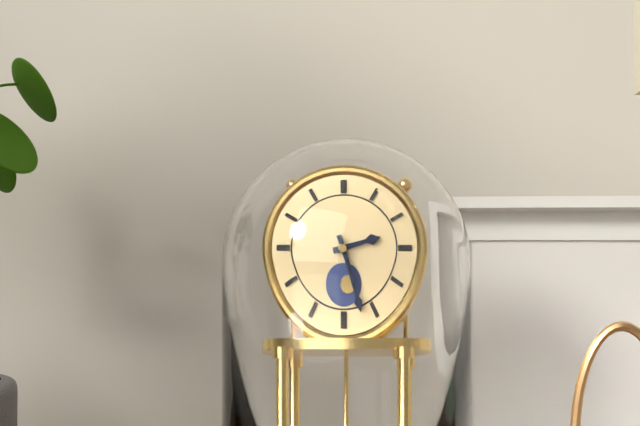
2,27
